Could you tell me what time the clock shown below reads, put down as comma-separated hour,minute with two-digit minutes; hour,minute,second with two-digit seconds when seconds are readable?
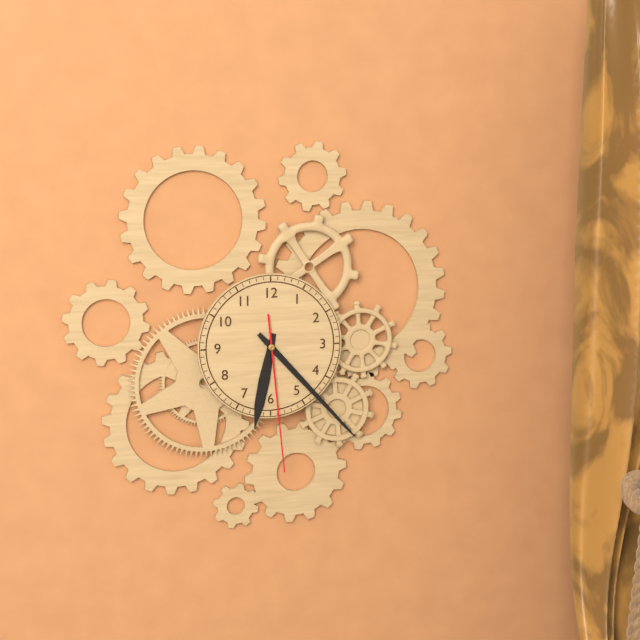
6,23,29
